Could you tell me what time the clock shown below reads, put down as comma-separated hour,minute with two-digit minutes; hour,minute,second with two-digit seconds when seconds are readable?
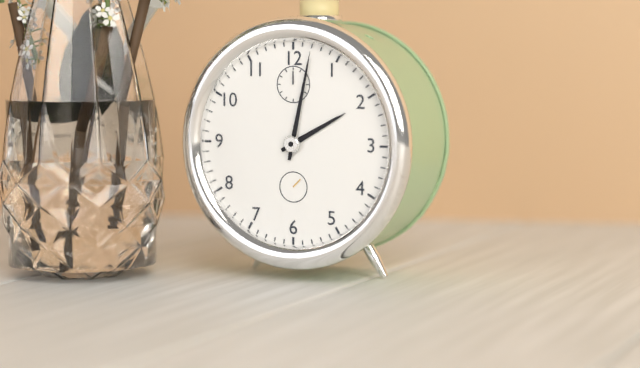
2,02
